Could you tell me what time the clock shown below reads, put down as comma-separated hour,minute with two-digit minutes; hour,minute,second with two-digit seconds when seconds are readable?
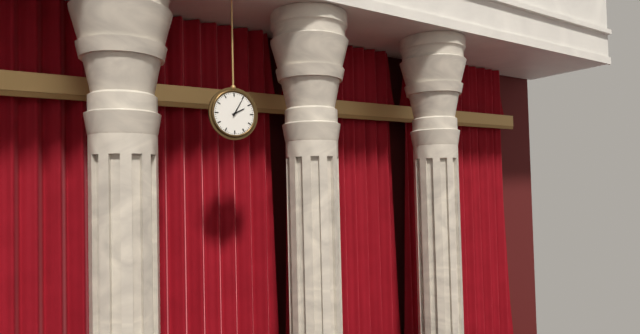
2,05
